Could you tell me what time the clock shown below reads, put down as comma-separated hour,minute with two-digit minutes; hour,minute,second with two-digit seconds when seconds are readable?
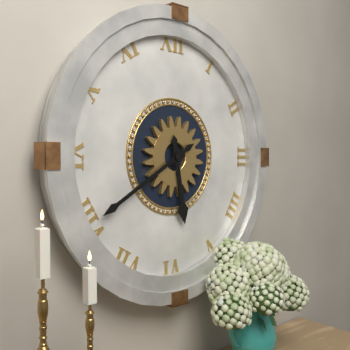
5,40
